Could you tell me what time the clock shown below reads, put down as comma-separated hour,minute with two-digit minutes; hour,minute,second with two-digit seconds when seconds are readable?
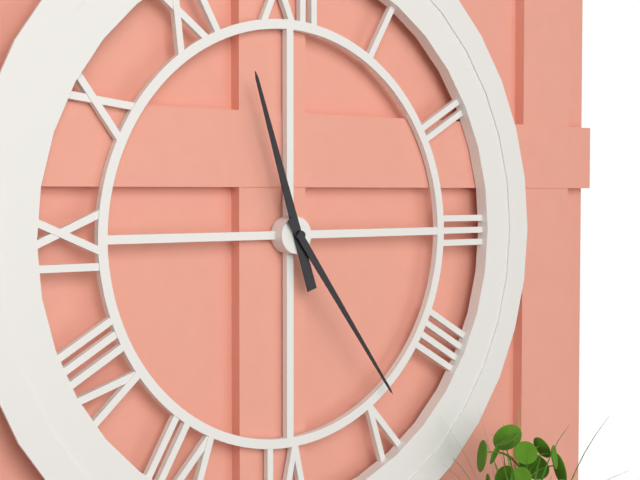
11,24
